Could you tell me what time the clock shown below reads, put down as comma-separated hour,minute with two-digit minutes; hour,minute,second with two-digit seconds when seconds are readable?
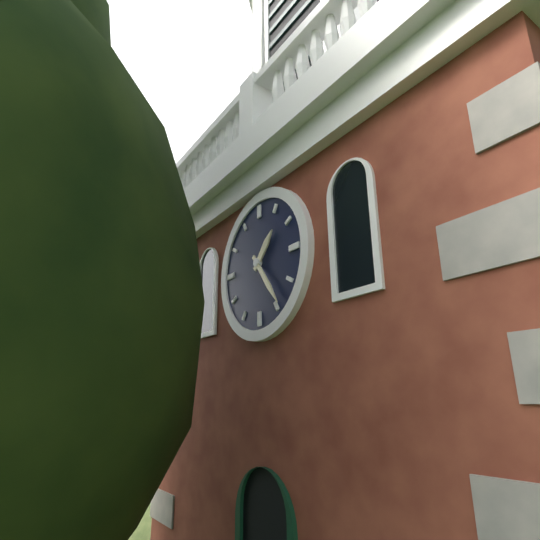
1,24
